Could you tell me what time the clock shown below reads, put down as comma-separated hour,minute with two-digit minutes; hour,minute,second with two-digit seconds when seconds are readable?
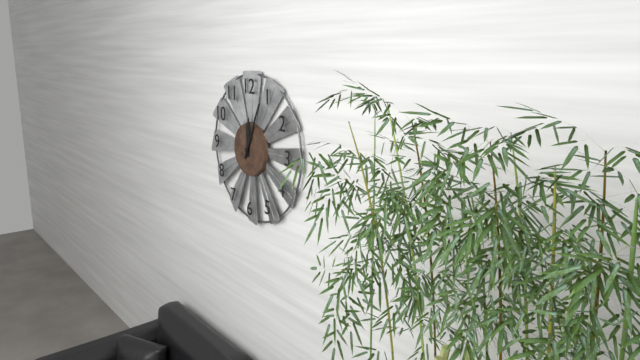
12,04
